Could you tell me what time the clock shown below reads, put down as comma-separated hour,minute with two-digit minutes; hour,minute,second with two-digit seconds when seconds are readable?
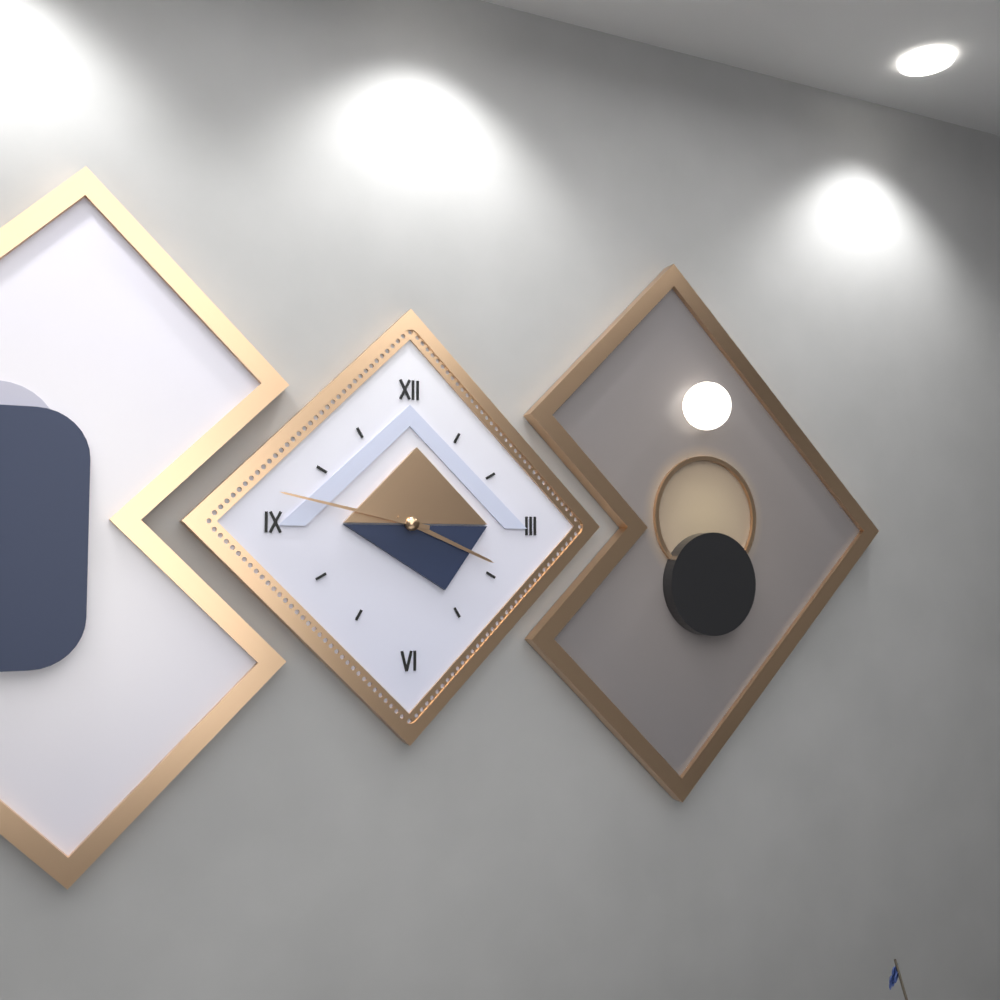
3,47
